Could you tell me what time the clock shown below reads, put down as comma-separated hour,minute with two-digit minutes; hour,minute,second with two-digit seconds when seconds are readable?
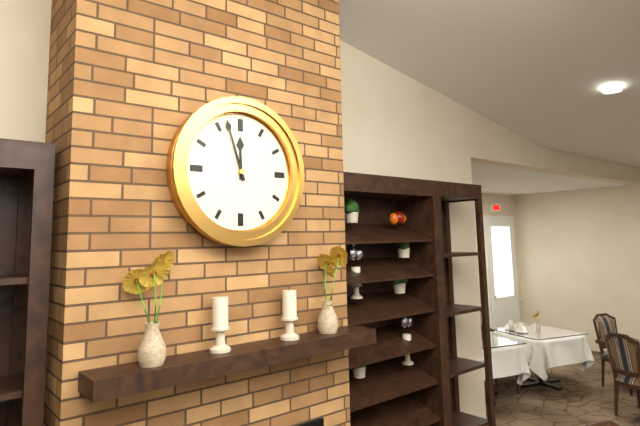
11,57
